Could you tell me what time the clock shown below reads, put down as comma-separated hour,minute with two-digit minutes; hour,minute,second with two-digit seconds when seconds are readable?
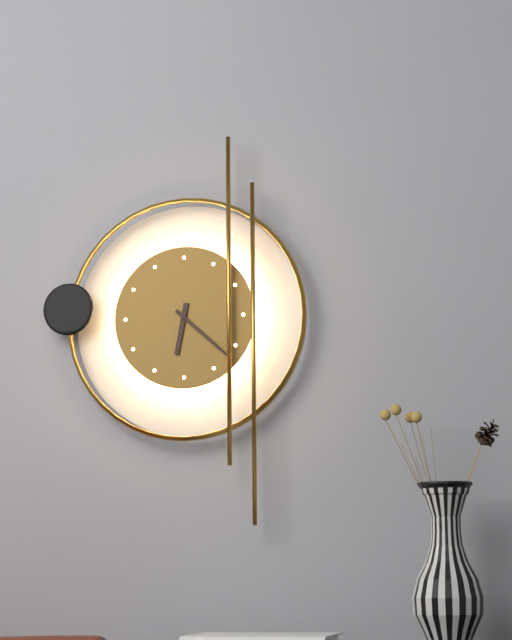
6,22
